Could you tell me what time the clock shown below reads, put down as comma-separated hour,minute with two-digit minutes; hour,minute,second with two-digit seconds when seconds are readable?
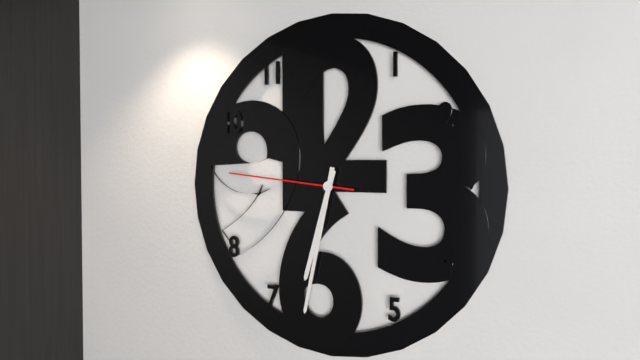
6,32,46
